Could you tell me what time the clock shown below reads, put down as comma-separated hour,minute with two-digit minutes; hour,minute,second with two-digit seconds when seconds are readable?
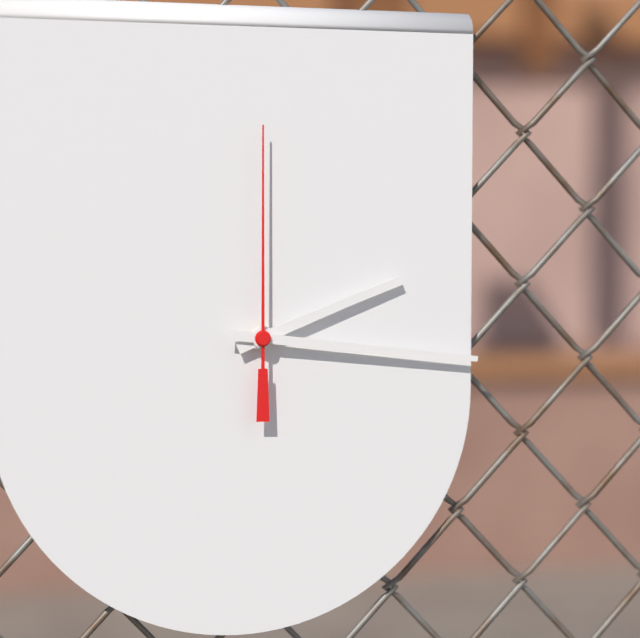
2,16,00
